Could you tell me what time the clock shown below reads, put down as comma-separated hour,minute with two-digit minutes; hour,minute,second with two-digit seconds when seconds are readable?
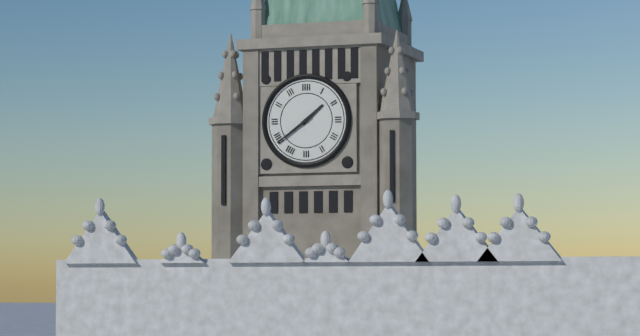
1,39
